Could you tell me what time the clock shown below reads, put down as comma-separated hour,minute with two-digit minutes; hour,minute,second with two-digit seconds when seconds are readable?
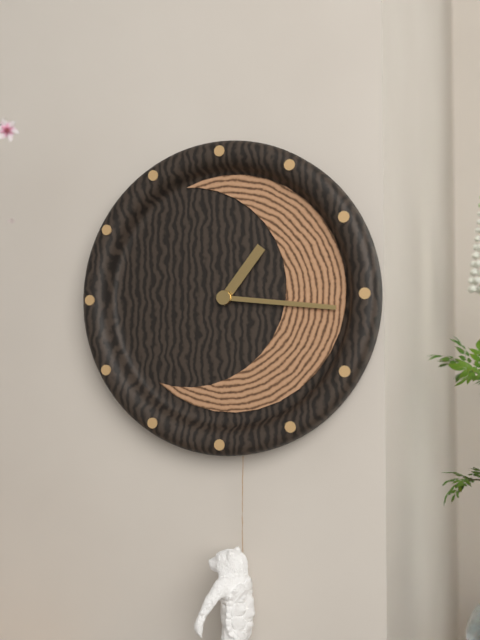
1,16
